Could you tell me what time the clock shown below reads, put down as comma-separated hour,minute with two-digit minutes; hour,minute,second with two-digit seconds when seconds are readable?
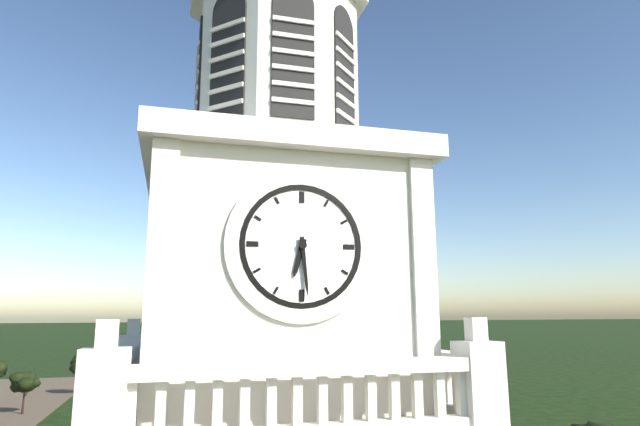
6,29
